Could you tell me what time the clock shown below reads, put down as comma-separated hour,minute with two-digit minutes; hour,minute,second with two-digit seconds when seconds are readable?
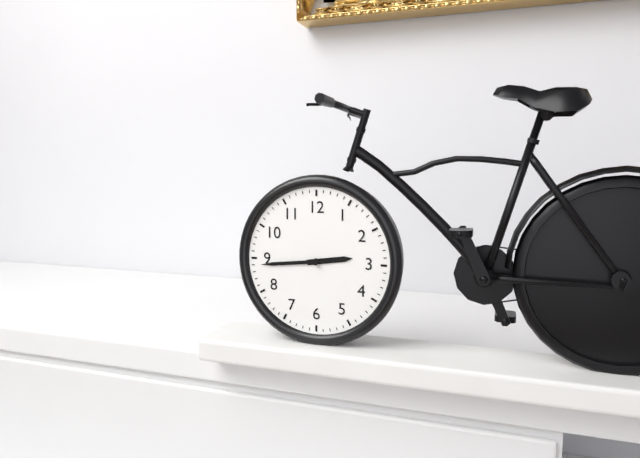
2,44
